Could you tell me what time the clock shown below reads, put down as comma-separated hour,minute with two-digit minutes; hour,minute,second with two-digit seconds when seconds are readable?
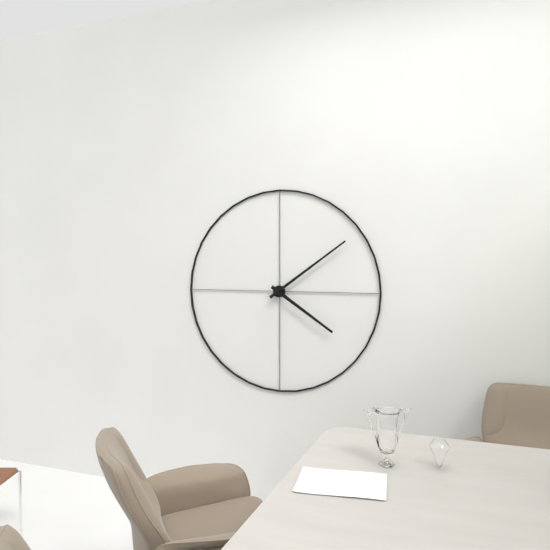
4,09
